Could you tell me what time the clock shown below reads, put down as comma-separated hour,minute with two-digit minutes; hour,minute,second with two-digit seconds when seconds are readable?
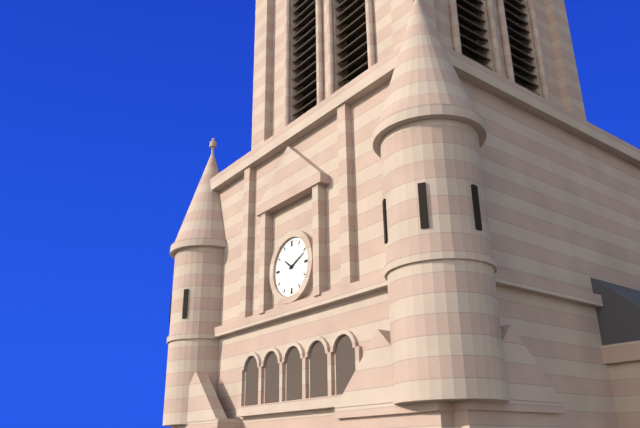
10,11
